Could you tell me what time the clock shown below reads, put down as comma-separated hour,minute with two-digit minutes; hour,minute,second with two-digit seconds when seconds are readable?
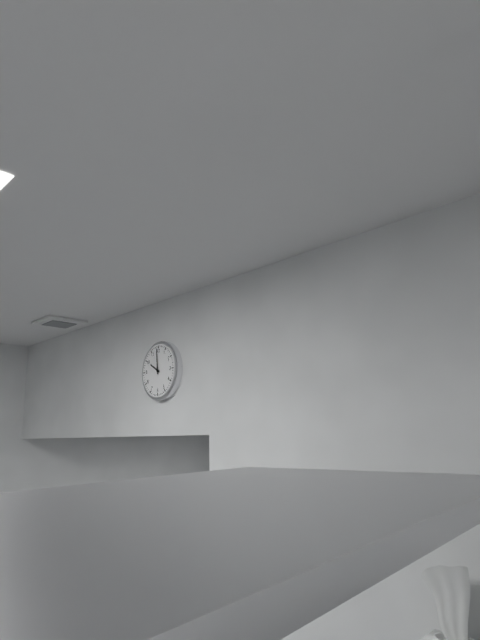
9,59
